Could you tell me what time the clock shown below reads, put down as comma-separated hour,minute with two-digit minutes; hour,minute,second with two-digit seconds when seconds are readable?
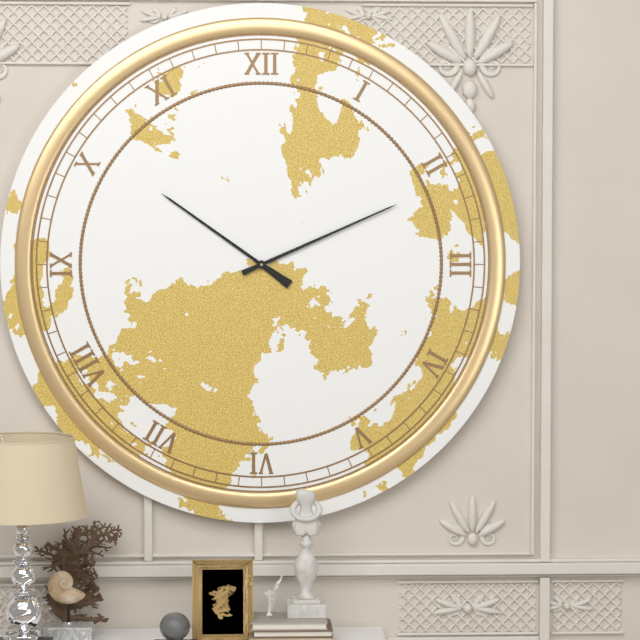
10,11
